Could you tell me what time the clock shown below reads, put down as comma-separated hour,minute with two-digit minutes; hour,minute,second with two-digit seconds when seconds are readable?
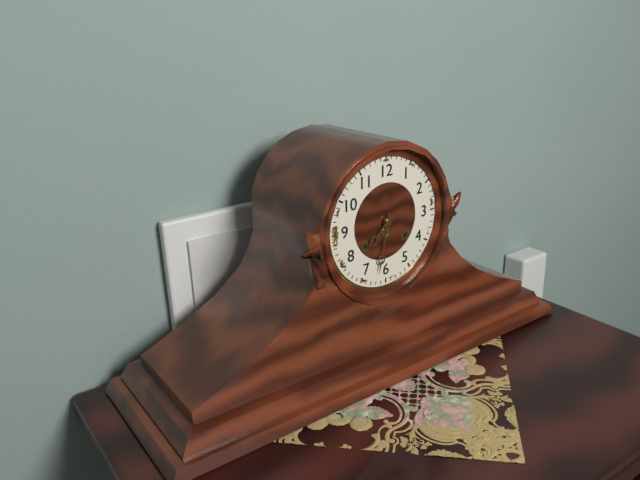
7,32
